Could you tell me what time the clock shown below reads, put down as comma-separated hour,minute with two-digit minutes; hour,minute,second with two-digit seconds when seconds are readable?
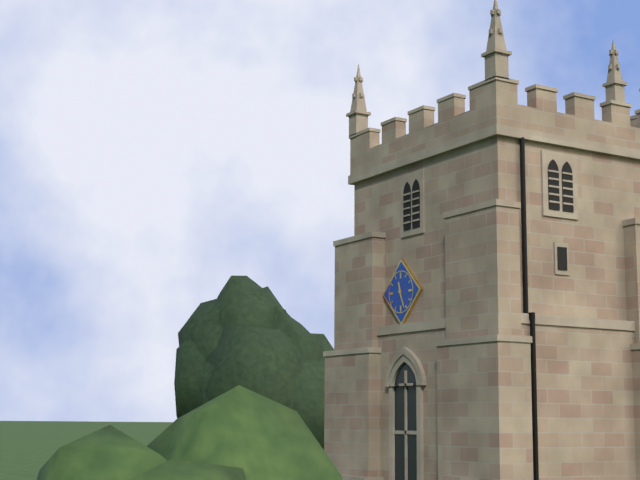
11,26
